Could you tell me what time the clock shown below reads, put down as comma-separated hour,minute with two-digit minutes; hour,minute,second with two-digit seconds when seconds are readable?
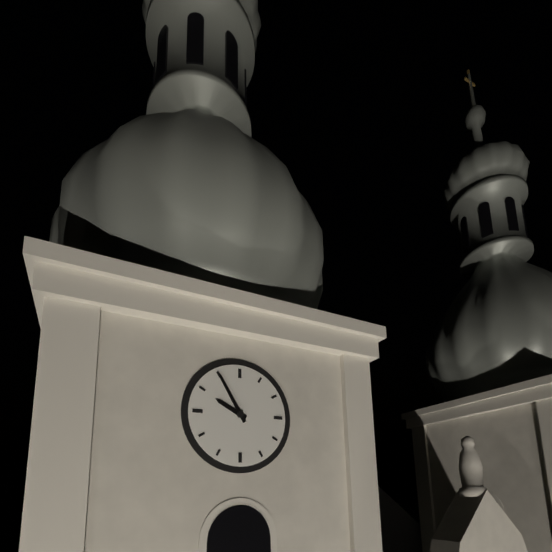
9,55
